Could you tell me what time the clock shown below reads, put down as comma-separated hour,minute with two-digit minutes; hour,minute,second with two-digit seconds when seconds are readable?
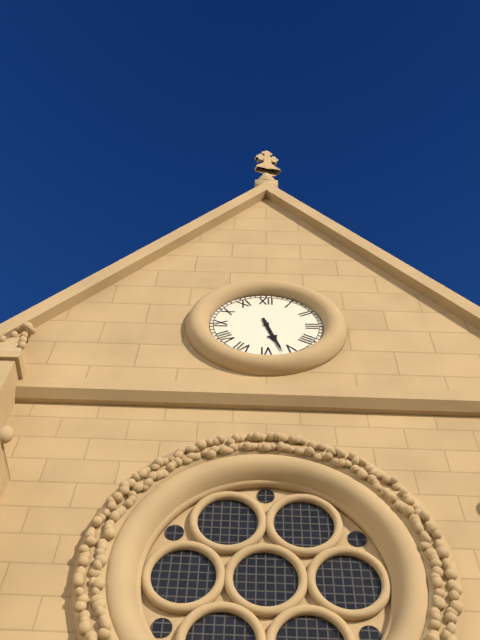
5,27
